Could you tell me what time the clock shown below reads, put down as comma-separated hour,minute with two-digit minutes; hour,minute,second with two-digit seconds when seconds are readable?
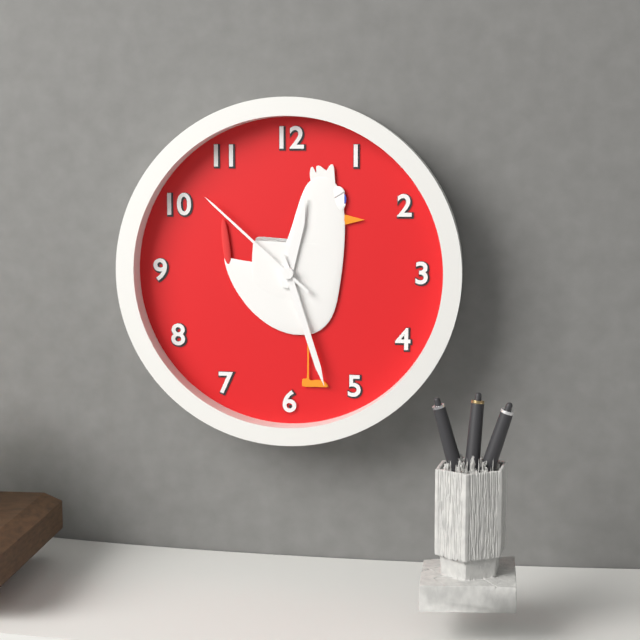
12,27,52
